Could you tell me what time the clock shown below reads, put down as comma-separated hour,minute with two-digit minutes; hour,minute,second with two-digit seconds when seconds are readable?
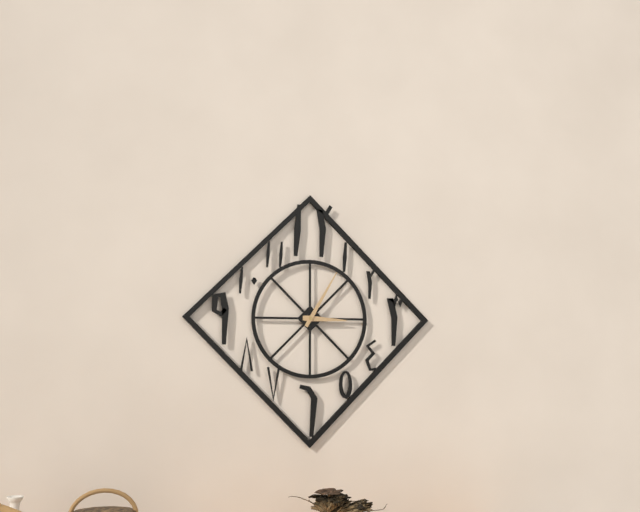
3,05
